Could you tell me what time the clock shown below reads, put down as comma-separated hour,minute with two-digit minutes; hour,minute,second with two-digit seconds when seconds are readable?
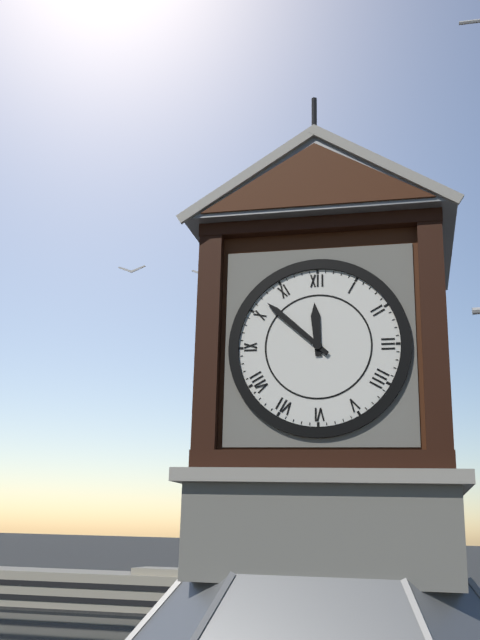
11,52
